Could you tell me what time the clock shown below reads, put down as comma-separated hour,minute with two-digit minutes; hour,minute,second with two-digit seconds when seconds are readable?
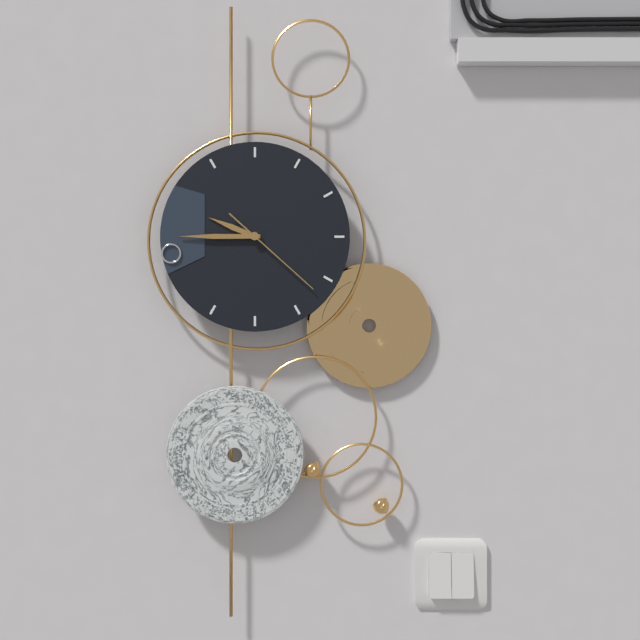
9,45,22
